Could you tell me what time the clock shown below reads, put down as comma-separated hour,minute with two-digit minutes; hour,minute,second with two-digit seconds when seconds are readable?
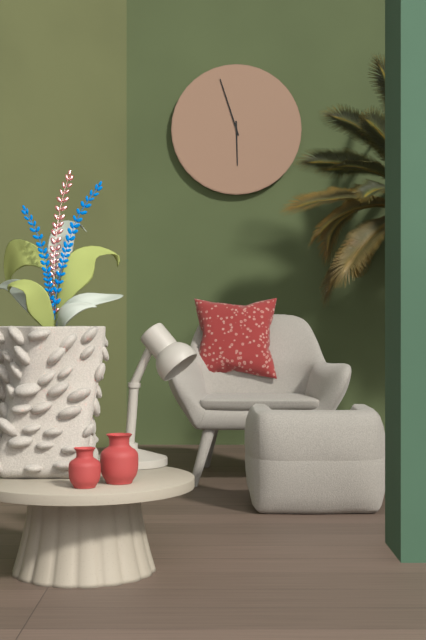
5,57
